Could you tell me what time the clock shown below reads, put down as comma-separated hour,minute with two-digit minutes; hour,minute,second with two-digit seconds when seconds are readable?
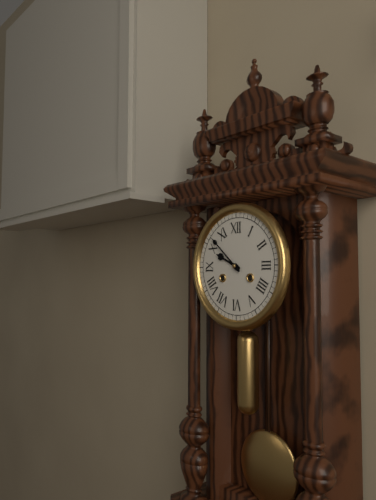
9,52
